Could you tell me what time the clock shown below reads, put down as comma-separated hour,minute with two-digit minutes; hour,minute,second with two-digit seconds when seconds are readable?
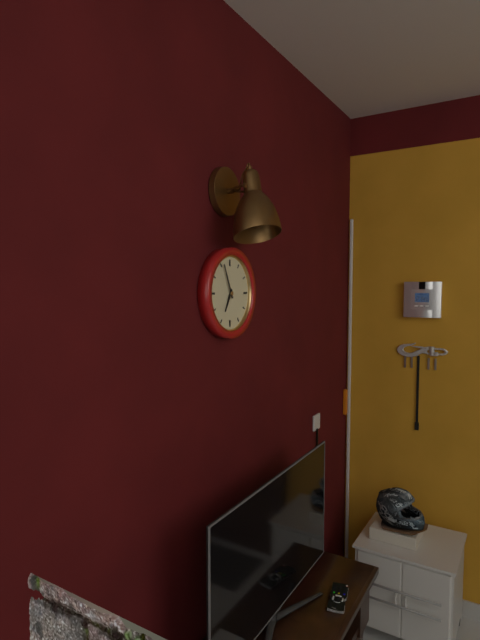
6,56
